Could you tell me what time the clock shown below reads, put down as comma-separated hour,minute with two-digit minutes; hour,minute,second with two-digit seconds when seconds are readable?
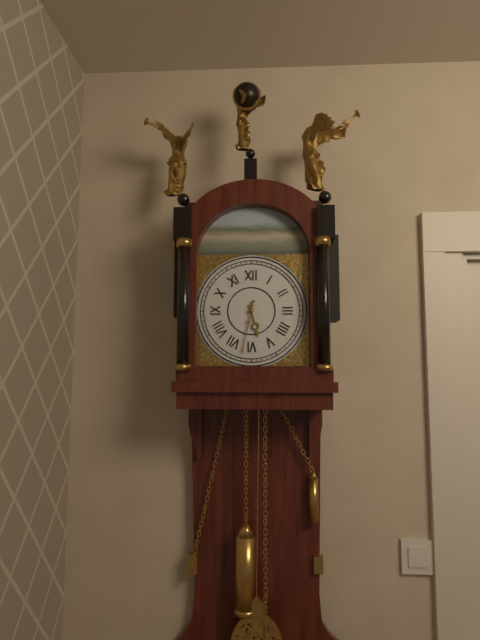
5,32
